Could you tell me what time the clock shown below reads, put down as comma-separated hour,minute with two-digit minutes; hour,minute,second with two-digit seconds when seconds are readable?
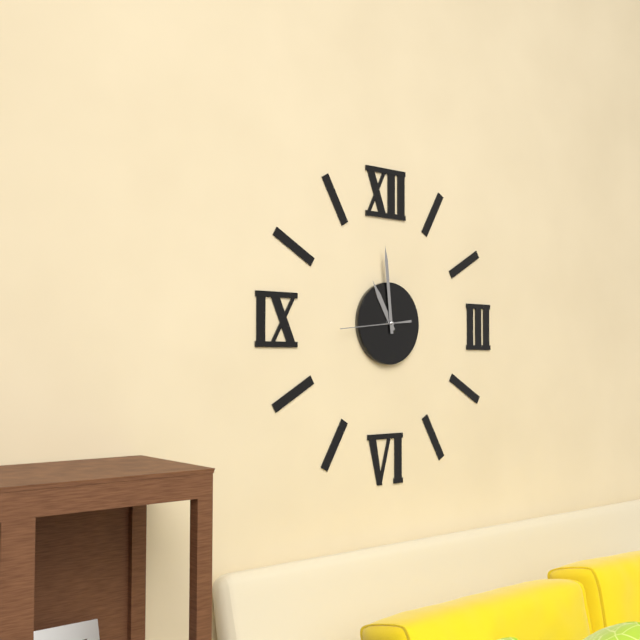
10,59,44
